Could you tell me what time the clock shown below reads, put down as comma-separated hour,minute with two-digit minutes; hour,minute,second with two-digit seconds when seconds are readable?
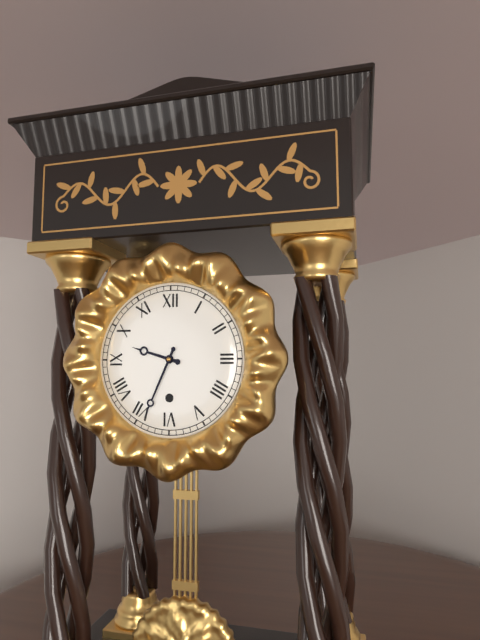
9,34
